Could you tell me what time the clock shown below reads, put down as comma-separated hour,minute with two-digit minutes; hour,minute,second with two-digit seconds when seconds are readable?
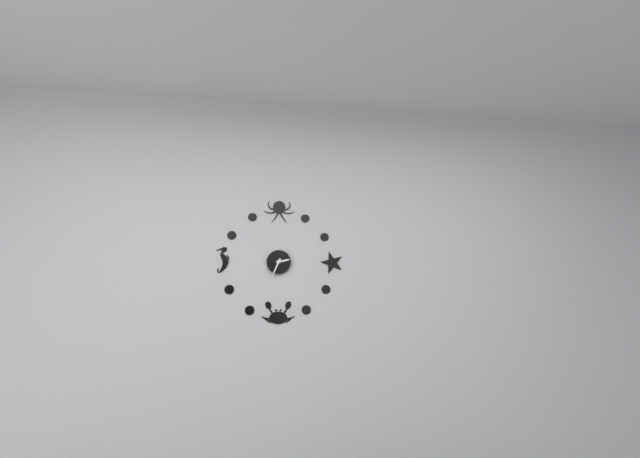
2,34
